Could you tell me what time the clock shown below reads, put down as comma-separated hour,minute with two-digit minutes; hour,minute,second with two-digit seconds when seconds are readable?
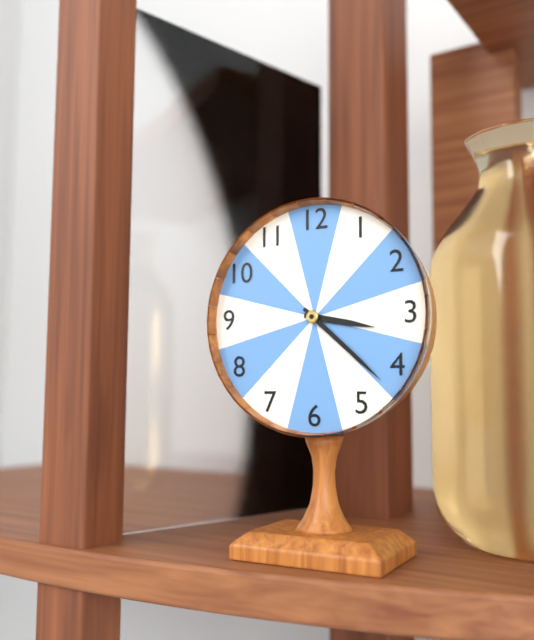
3,22
